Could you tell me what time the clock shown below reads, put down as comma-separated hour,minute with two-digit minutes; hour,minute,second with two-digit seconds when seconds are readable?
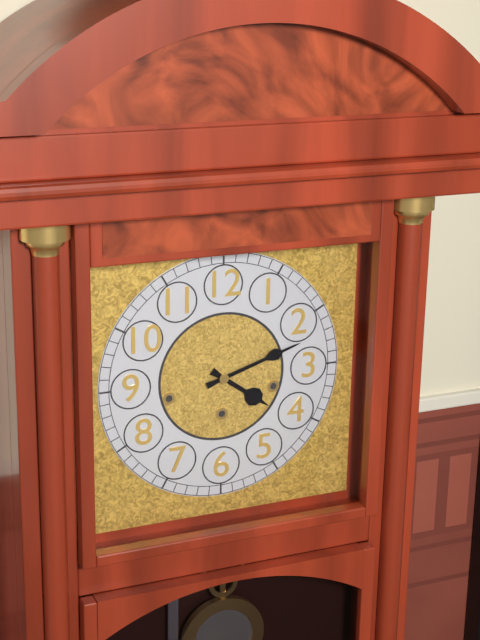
4,12
